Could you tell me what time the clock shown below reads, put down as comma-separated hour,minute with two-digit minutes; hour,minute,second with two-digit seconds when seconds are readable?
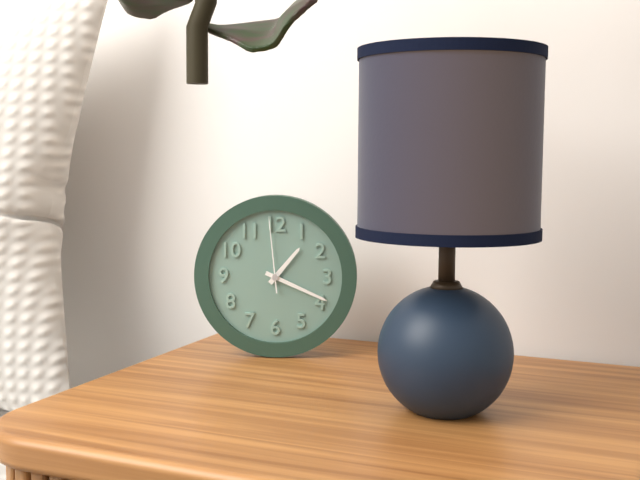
1,19,59
